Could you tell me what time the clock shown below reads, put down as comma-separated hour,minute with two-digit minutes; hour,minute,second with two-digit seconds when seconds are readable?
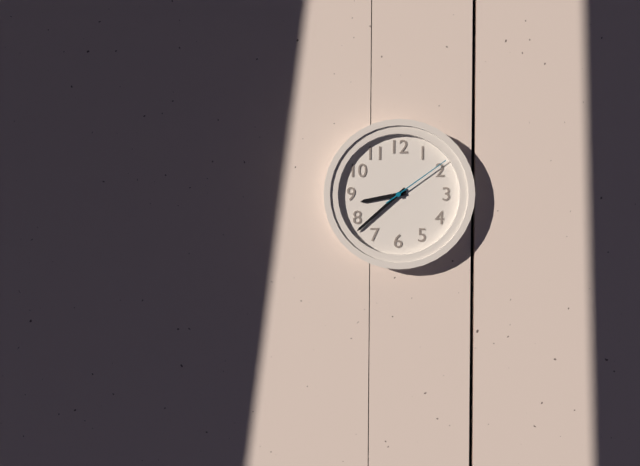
8,38,09
